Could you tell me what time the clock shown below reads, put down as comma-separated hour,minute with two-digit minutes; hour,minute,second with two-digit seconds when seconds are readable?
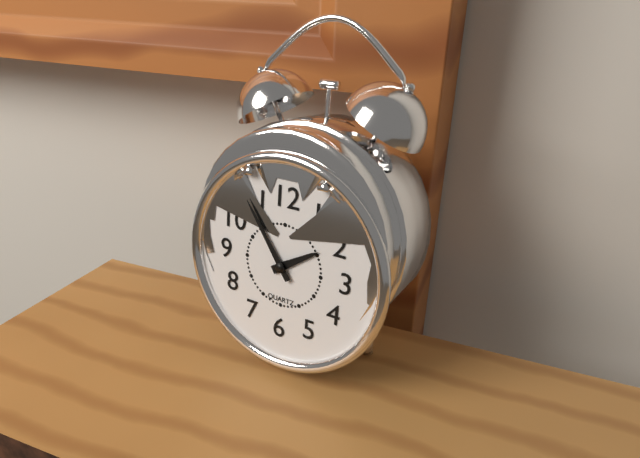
1,54
